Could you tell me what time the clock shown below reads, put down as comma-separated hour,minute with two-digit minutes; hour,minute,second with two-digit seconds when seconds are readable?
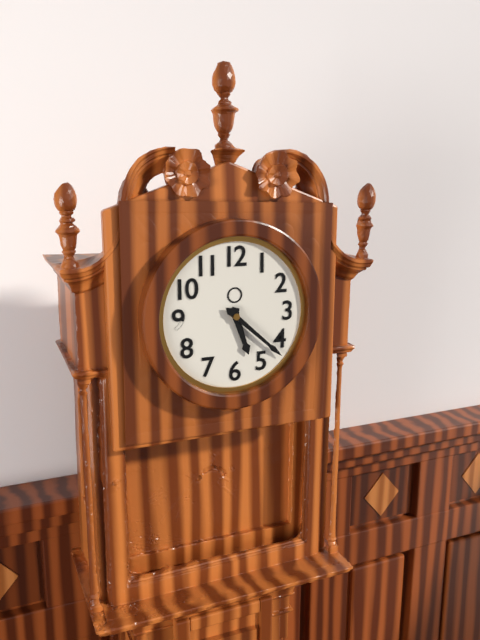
5,22
